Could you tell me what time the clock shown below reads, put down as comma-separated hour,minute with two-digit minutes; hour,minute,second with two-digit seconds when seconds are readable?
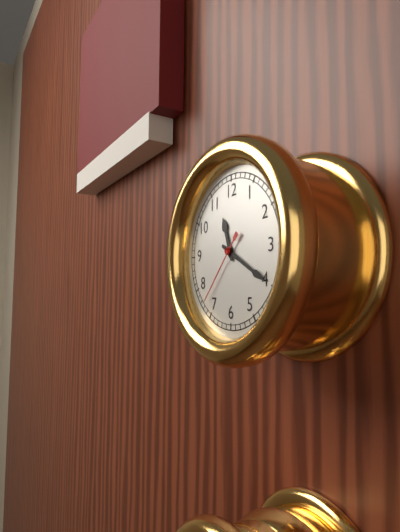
11,20,37
